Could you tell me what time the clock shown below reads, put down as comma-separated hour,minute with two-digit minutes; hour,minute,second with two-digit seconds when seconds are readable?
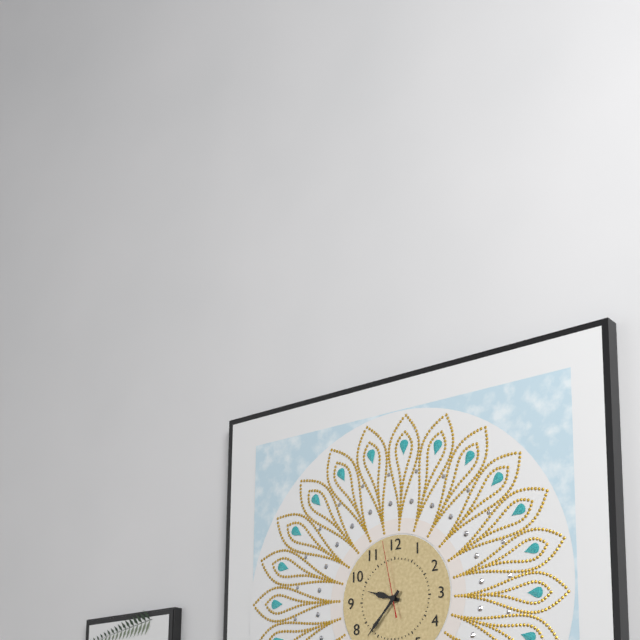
9,37,58
